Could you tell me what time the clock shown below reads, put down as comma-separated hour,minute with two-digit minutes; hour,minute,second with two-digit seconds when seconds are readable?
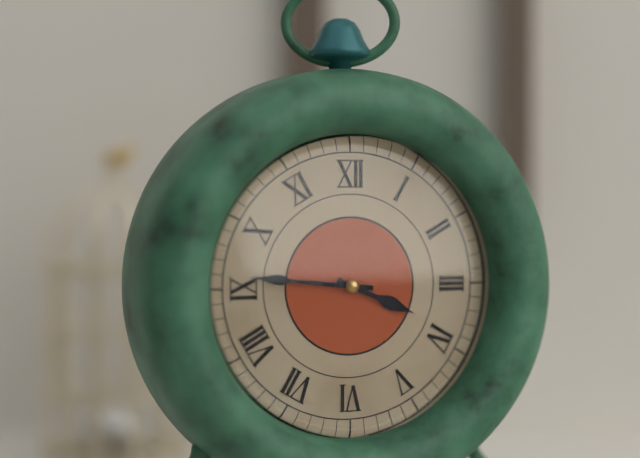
3,46
